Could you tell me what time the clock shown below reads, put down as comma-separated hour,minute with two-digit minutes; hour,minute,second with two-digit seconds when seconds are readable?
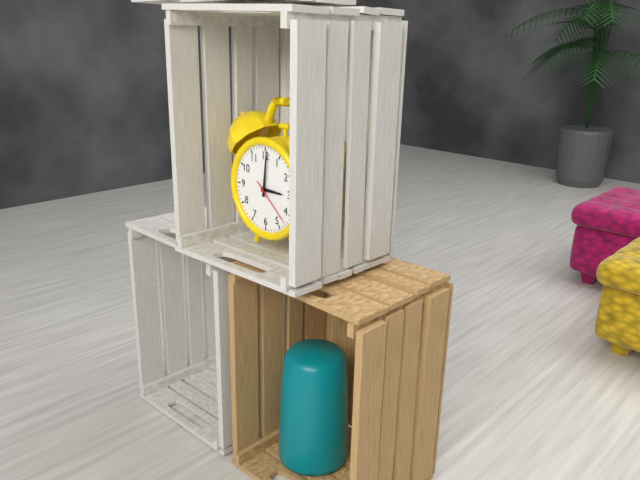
3,01
